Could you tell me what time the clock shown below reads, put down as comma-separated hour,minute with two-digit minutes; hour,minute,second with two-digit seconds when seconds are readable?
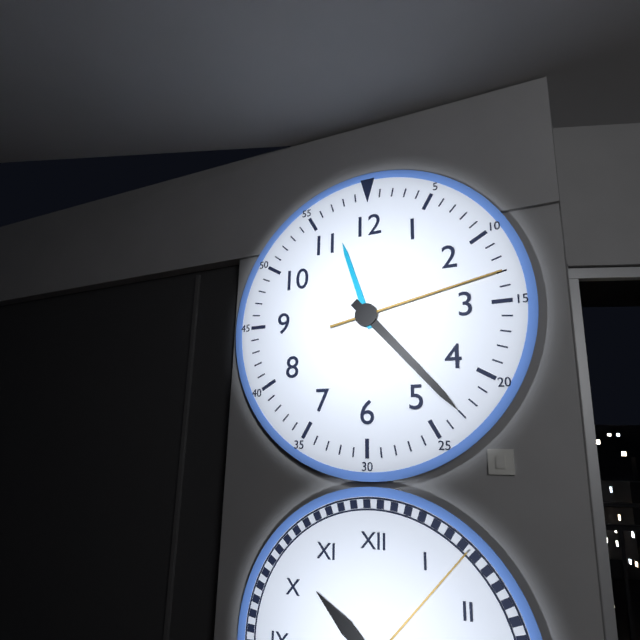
11,23,13
